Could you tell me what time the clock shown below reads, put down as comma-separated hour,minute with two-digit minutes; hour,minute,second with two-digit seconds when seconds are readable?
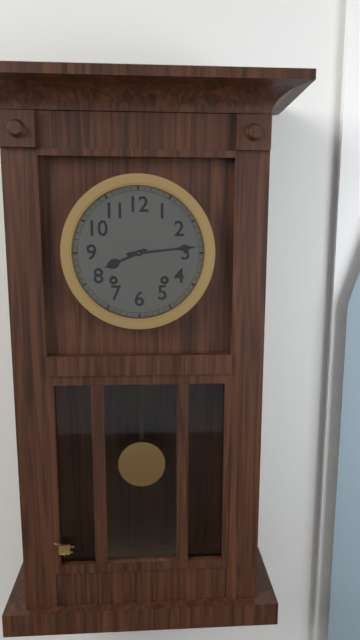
8,14
